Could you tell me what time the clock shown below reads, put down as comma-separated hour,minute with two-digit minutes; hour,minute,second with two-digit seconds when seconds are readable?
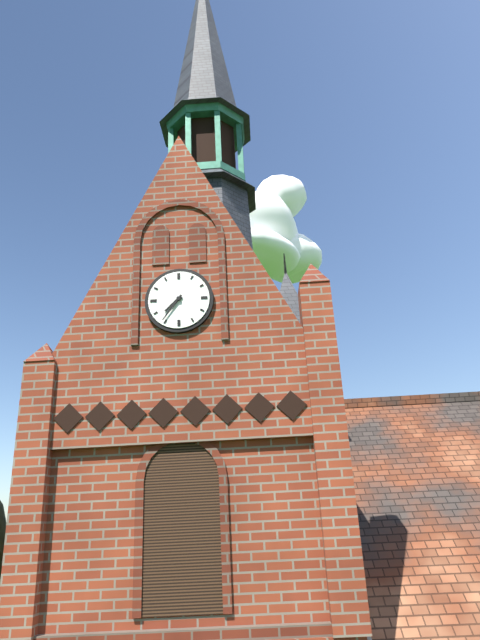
7,36
